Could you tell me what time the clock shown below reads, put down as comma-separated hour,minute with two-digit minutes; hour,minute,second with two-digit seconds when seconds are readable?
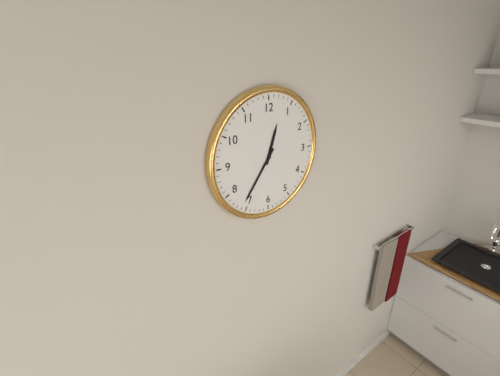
12,36
